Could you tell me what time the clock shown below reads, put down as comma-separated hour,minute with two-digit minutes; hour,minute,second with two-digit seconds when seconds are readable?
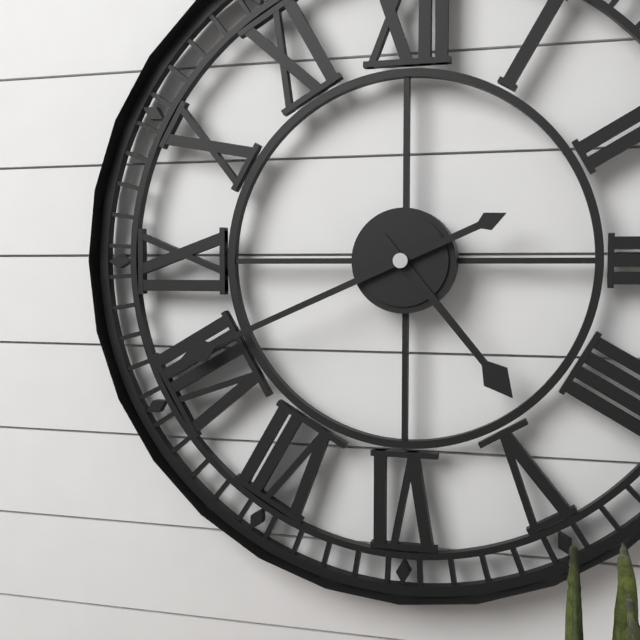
4,41
